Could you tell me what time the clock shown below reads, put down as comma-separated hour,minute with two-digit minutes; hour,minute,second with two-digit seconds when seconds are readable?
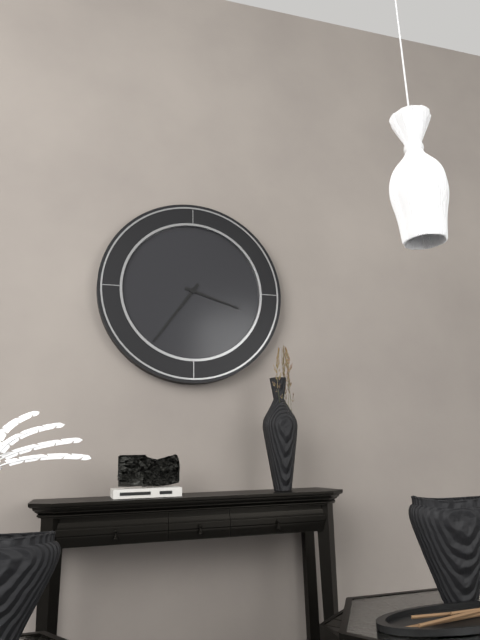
3,36
